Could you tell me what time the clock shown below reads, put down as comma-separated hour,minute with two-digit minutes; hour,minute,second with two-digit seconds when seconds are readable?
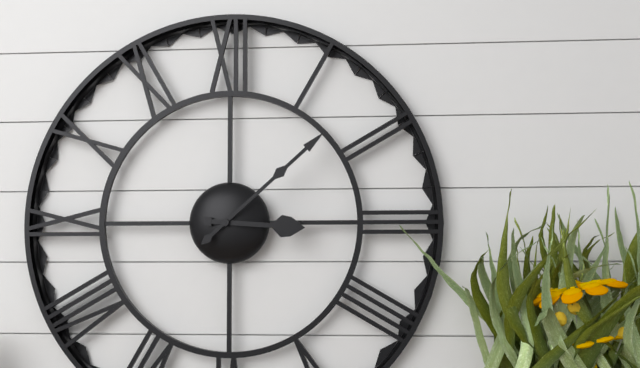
3,08
